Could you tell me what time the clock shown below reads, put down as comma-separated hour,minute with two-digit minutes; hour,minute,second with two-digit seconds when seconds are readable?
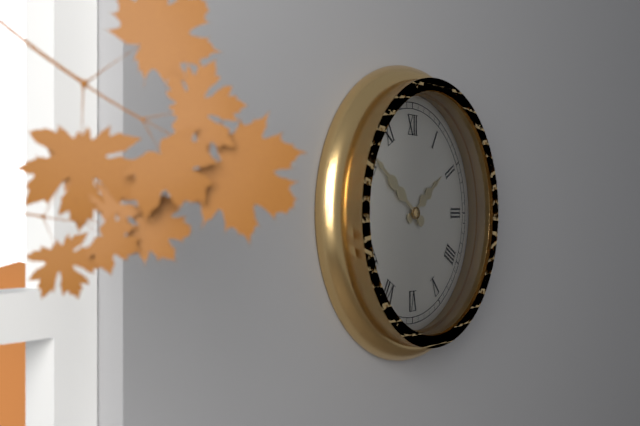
1,51
